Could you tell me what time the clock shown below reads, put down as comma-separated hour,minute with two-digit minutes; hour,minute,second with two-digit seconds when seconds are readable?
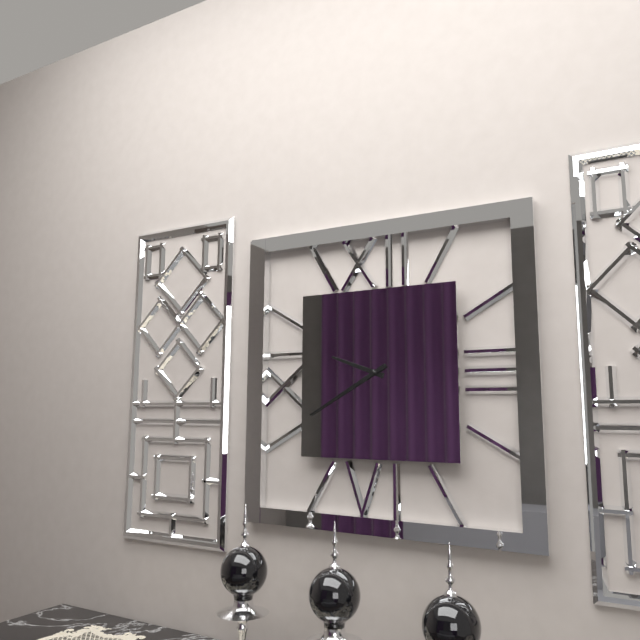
9,40
